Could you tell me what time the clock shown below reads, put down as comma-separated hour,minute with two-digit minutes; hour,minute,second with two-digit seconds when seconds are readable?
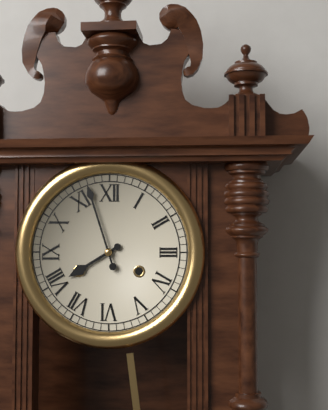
7,57
